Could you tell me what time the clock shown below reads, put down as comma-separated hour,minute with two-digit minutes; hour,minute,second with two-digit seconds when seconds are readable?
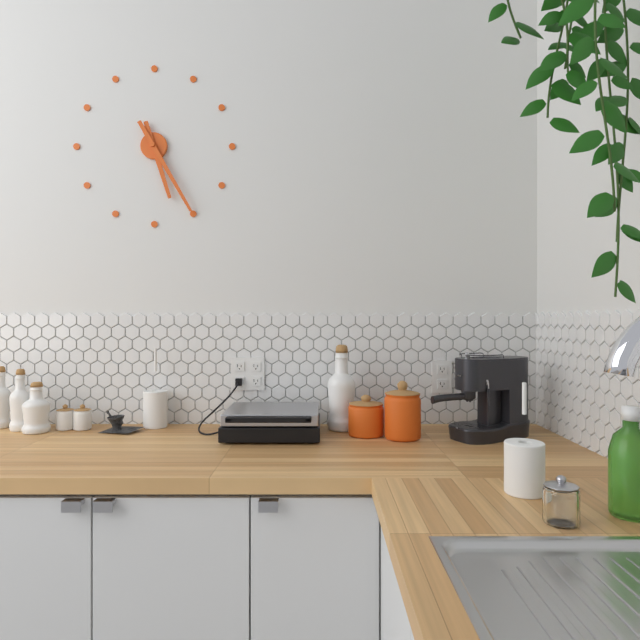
5,25
